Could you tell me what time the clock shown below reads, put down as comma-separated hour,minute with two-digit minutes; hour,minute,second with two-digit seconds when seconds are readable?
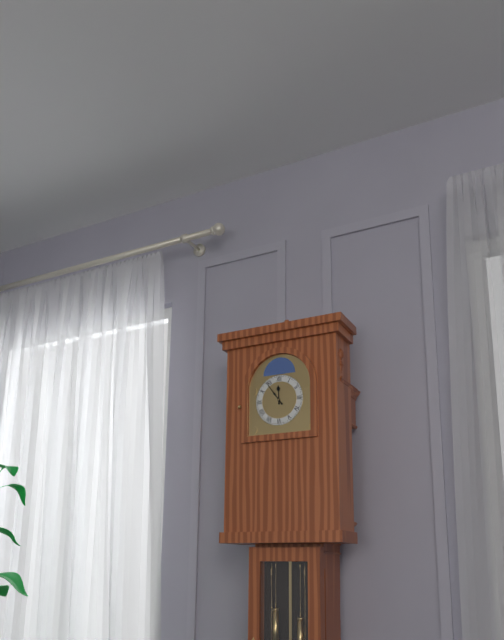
11,54
